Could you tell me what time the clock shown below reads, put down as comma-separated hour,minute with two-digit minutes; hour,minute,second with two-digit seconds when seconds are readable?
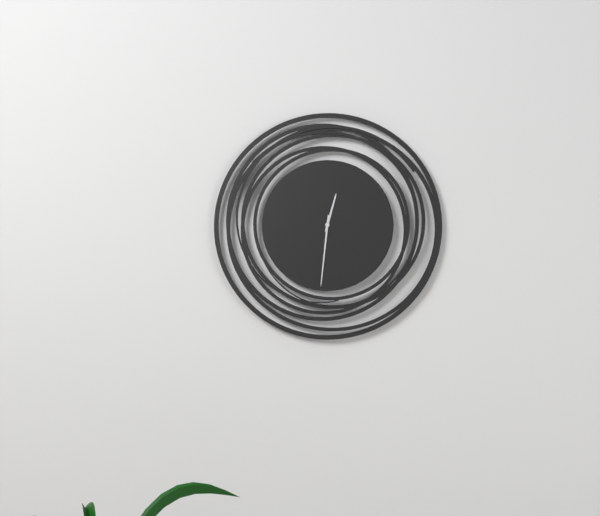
12,31
